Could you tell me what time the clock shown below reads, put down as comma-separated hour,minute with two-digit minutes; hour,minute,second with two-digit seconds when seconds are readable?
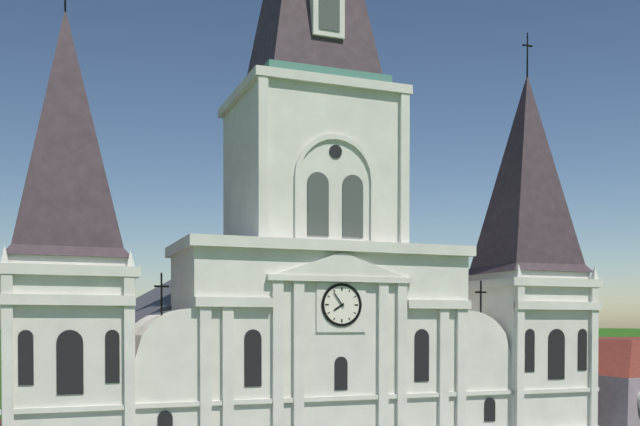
7,54
